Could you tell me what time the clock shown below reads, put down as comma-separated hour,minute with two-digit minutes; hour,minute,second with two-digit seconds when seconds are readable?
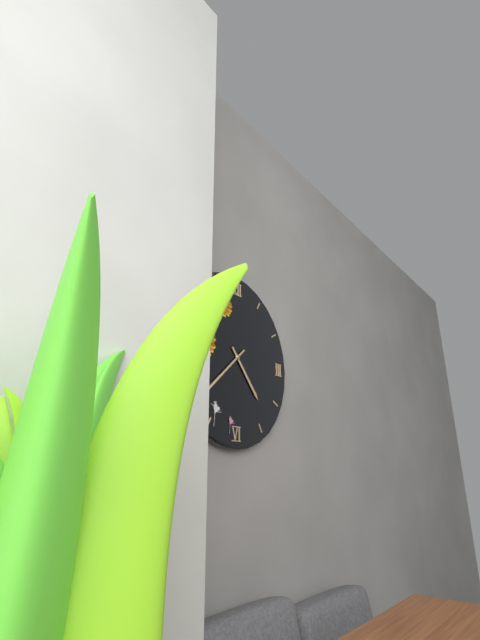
4,38
